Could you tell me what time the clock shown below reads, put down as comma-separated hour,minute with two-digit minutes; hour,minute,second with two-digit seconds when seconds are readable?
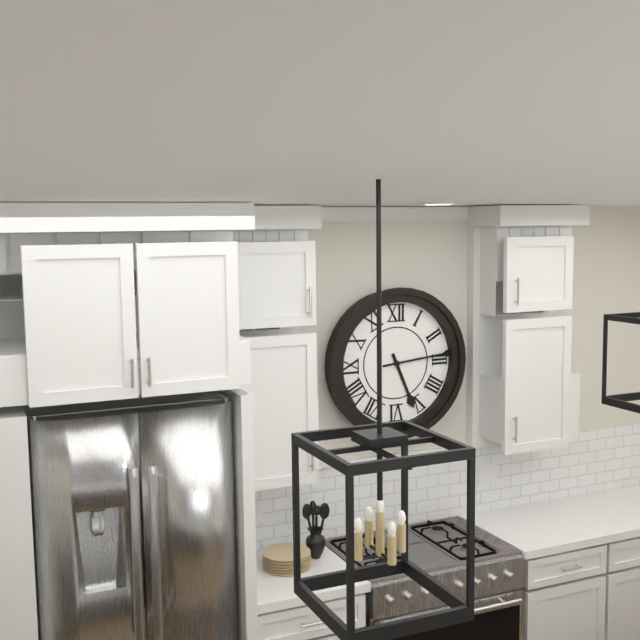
5,14
